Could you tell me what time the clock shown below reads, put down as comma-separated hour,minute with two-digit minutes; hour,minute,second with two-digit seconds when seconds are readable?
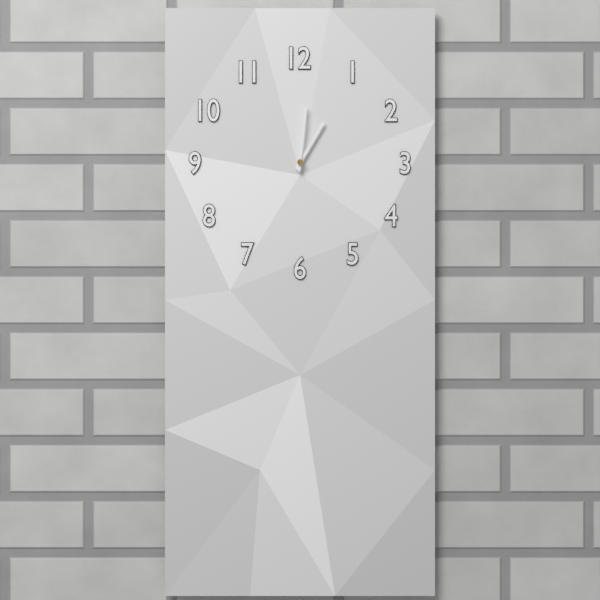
1,01
